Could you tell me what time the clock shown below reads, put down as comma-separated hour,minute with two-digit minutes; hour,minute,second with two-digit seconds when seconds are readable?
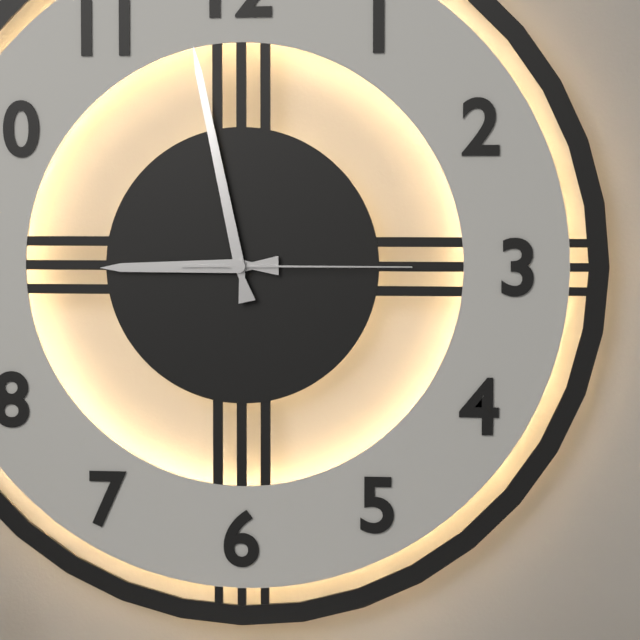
8,58,15
